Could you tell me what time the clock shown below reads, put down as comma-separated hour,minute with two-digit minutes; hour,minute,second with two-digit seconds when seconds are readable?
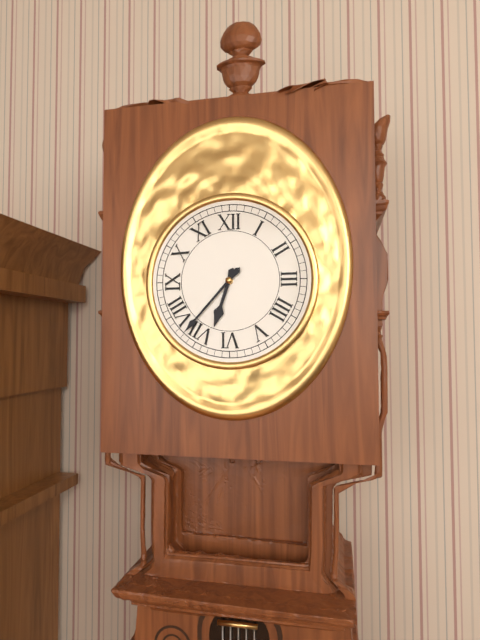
6,37
